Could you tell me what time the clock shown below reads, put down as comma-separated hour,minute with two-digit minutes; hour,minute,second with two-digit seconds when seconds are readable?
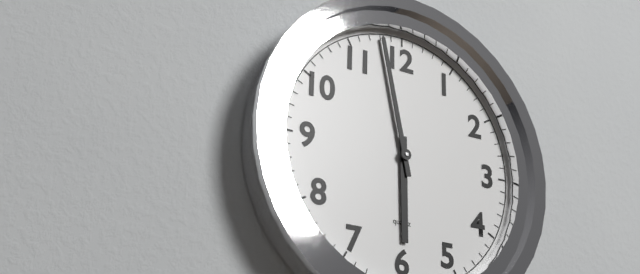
5,58
